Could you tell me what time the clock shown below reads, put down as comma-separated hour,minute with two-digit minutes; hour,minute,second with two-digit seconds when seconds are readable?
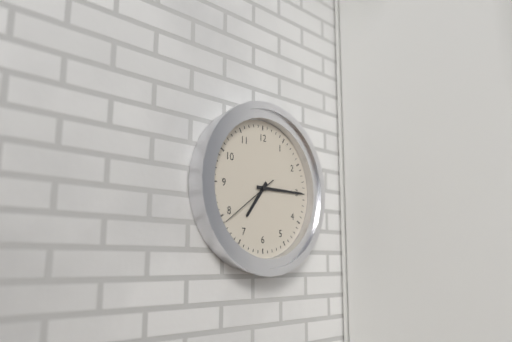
7,15,39
